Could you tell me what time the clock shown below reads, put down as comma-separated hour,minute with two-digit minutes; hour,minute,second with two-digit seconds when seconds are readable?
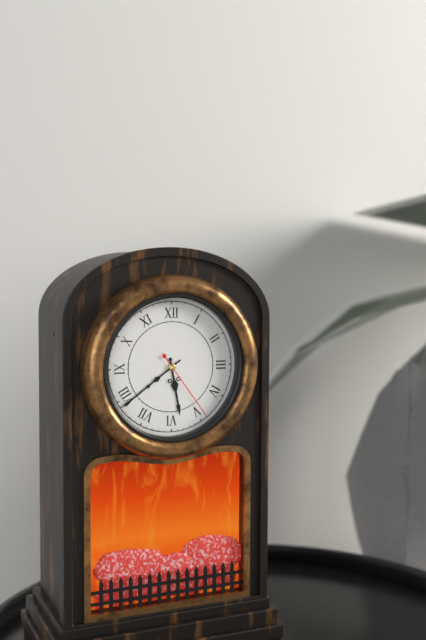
5,39,24
